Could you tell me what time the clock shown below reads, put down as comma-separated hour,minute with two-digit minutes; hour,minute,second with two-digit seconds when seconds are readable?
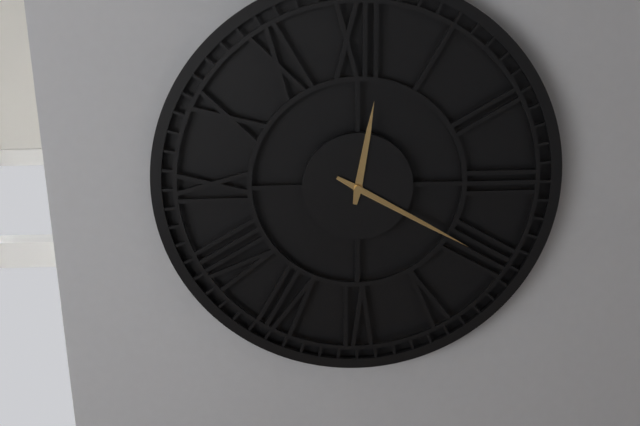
12,20
